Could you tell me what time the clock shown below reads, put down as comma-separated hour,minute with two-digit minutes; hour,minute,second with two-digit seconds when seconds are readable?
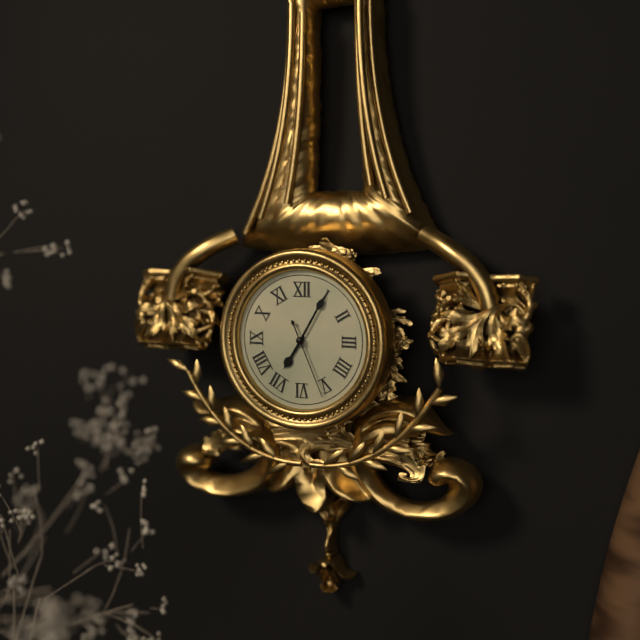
7,05,26
